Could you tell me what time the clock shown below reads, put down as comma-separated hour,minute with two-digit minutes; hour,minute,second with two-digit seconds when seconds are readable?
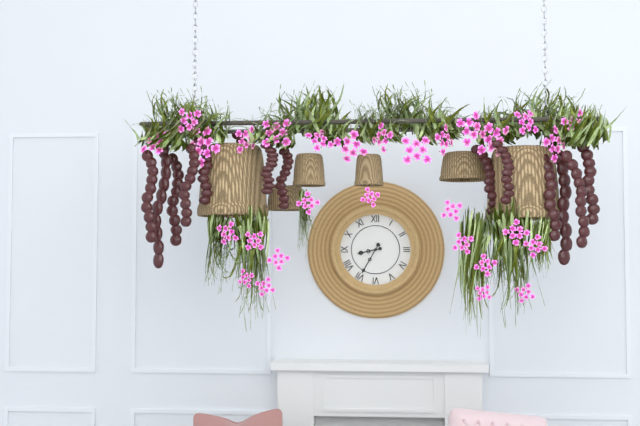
8,35
